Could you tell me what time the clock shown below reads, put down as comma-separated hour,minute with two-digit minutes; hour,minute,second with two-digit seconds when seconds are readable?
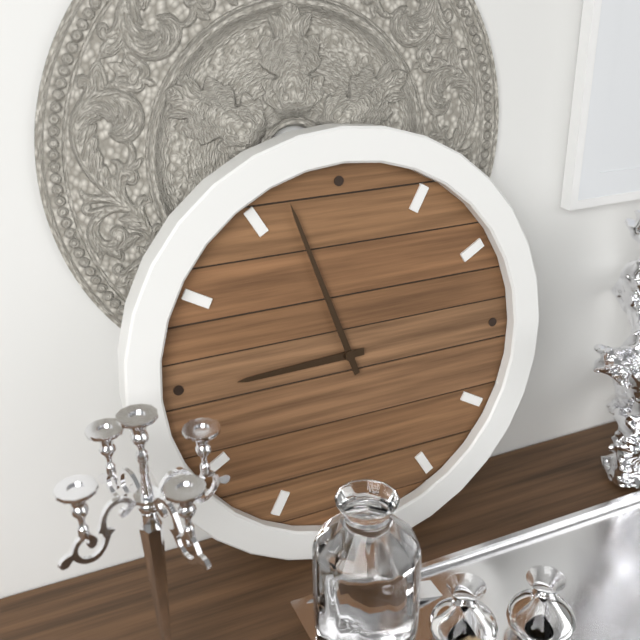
8,57
